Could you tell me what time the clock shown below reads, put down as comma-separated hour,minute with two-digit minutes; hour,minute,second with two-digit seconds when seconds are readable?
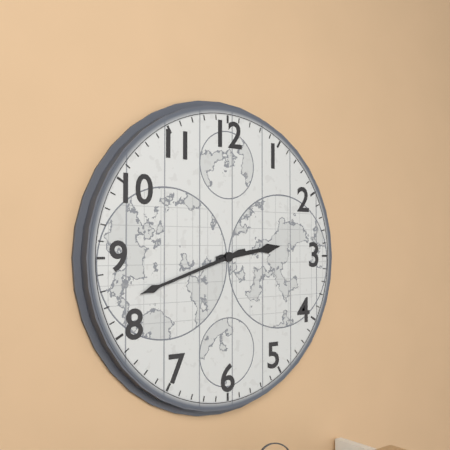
2,42
